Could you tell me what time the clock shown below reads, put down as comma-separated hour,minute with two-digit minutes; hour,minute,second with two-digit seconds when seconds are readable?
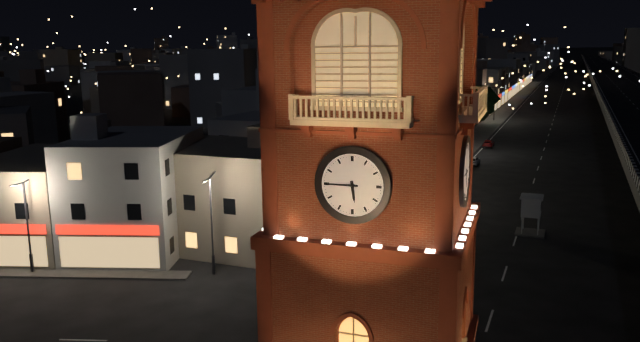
5,45
